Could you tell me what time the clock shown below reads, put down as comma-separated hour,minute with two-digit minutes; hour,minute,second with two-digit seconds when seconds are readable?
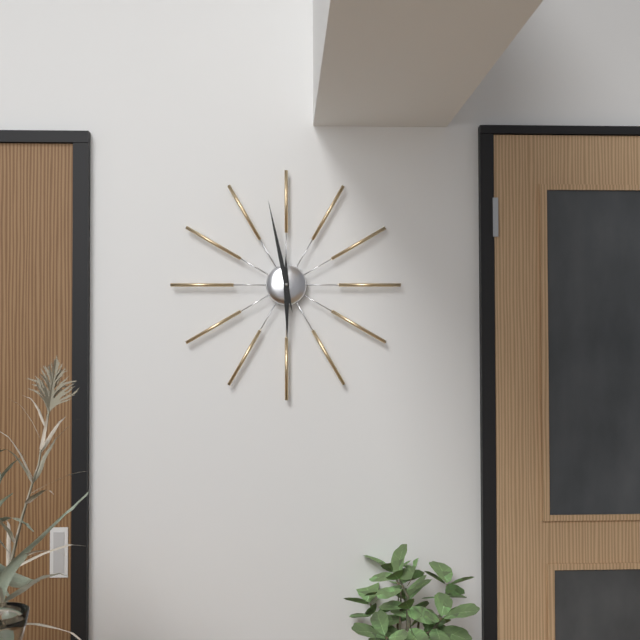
5,58
